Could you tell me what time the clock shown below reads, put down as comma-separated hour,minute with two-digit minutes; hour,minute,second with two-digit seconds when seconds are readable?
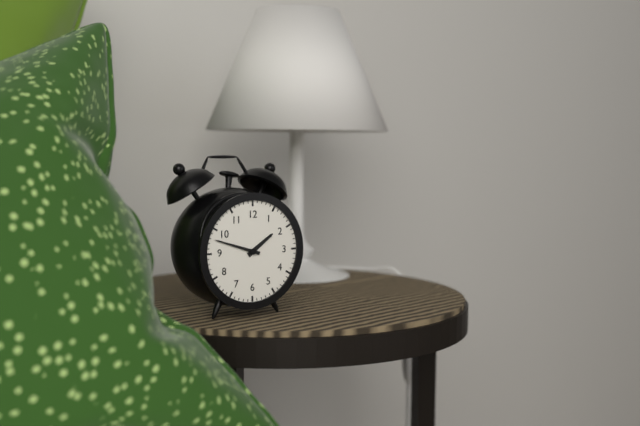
1,48
